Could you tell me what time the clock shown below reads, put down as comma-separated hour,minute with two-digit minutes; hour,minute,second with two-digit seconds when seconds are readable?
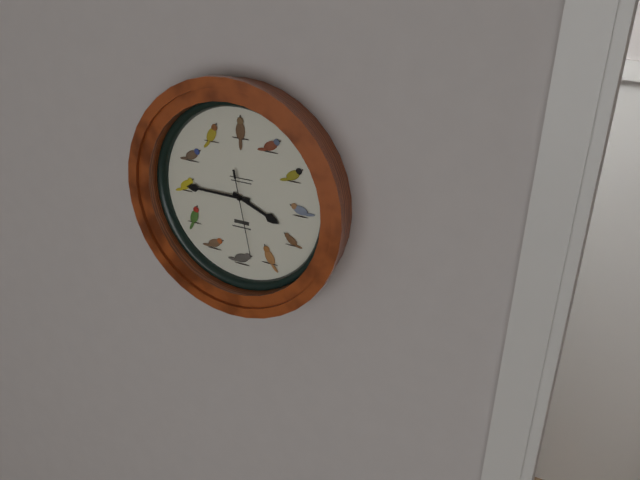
3,45,28
